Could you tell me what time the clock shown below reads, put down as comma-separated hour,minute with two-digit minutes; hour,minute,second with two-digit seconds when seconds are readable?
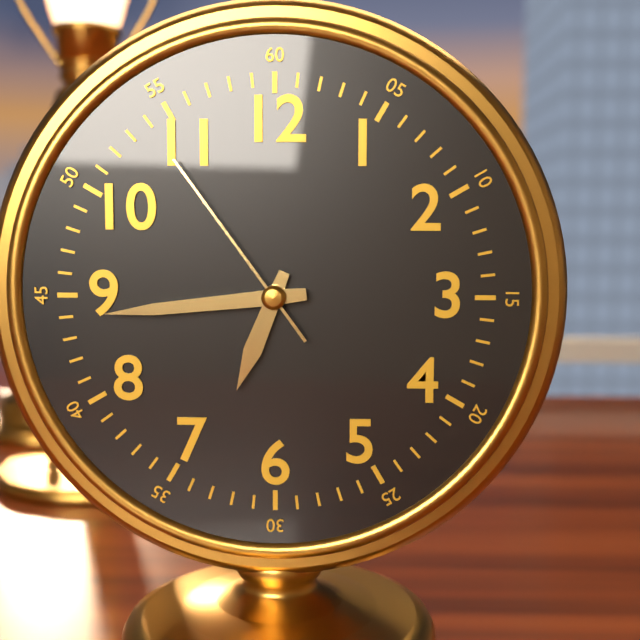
6,44,54
